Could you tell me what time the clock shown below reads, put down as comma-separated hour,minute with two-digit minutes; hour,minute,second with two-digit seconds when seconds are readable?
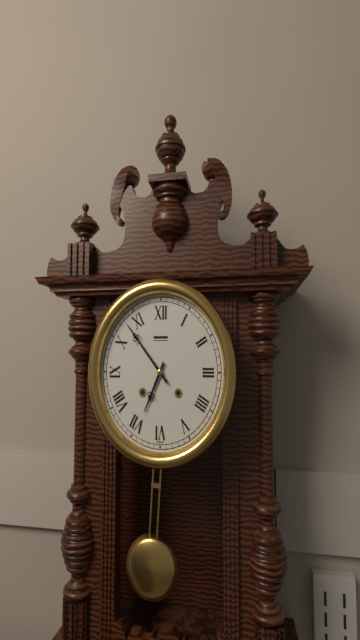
6,53
